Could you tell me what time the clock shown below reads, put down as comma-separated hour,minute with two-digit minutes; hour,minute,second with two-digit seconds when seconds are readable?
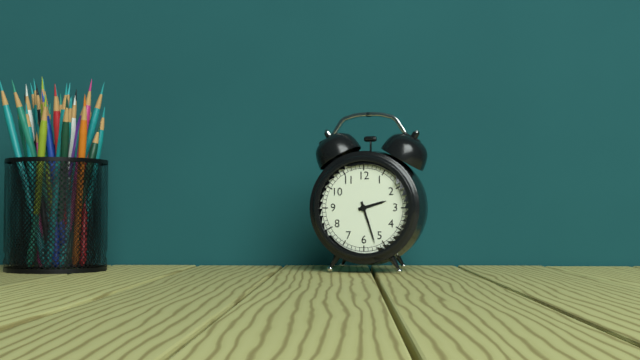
2,27
